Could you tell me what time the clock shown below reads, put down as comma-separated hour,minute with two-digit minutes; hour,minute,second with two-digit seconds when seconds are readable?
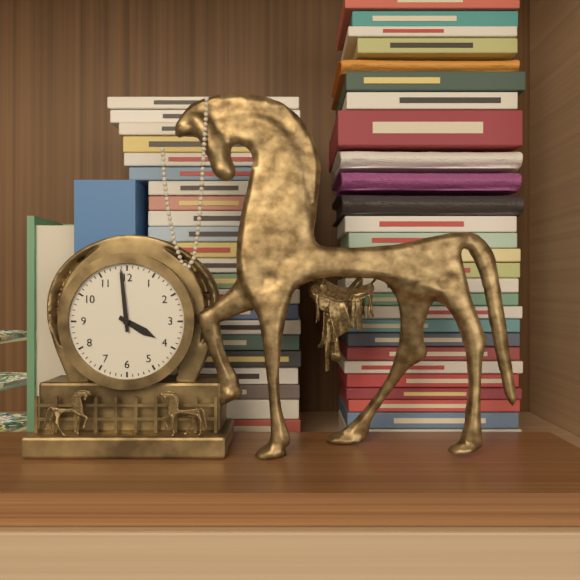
3,59
